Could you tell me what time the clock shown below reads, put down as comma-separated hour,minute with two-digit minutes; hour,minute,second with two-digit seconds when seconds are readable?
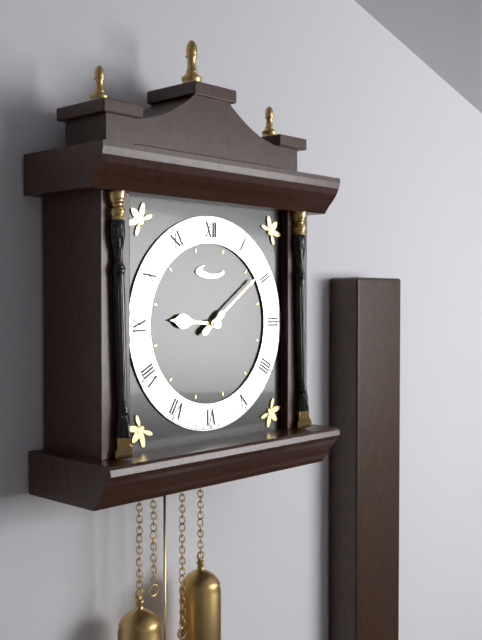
9,09
